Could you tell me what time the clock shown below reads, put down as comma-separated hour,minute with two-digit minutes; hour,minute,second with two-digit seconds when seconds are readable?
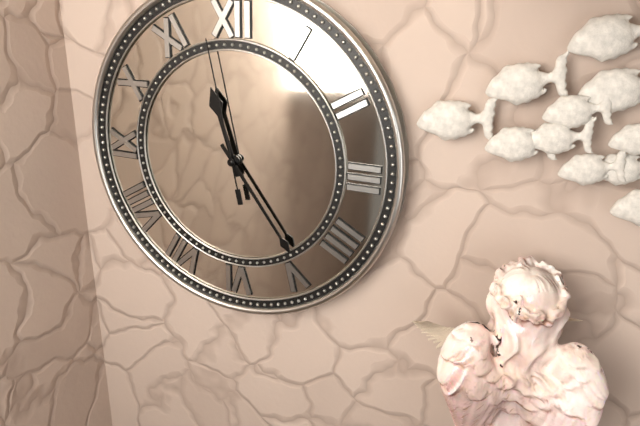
11,24,58
